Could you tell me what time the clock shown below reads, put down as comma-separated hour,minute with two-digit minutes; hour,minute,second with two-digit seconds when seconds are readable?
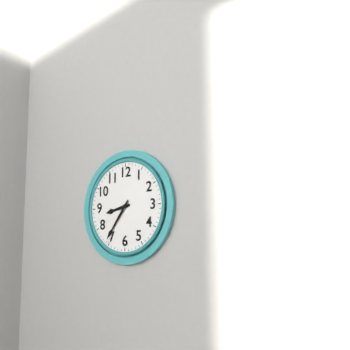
8,36
